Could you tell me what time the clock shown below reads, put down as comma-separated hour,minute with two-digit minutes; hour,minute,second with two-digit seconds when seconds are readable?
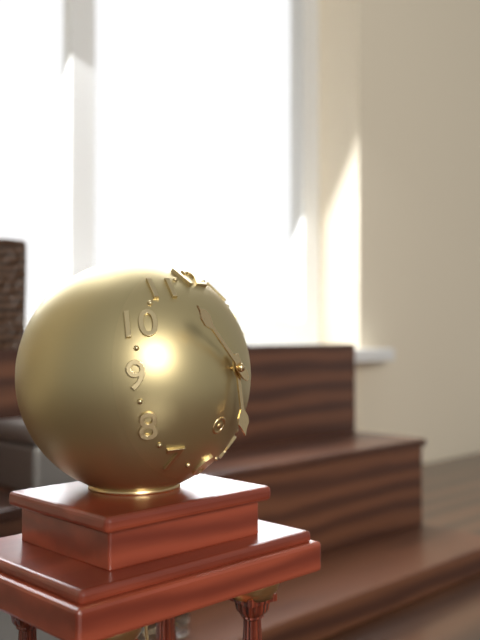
5,52
